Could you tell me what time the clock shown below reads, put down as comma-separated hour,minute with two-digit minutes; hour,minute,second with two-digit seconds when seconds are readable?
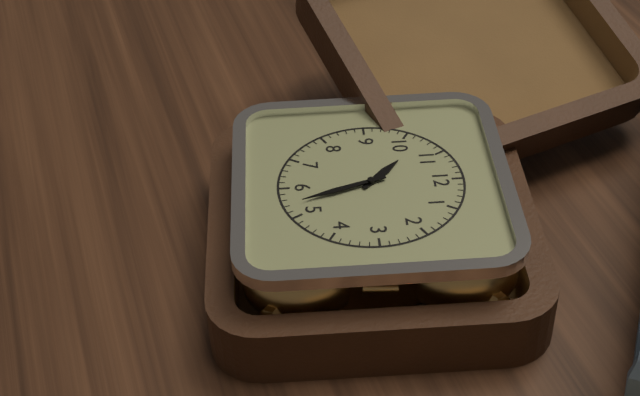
10,27
